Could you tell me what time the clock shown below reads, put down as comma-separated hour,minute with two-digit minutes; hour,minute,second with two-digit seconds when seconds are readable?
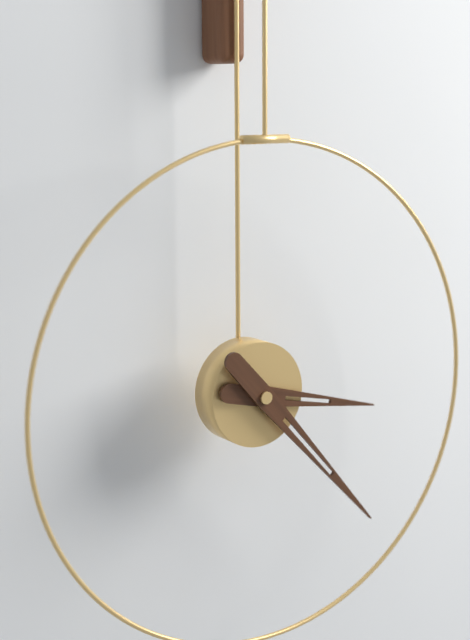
3,23
